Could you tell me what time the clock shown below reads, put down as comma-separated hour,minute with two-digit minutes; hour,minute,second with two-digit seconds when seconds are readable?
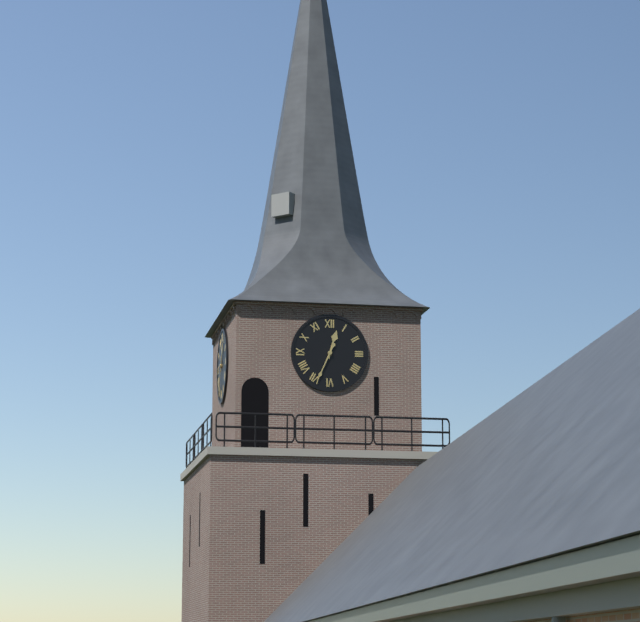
12,34
